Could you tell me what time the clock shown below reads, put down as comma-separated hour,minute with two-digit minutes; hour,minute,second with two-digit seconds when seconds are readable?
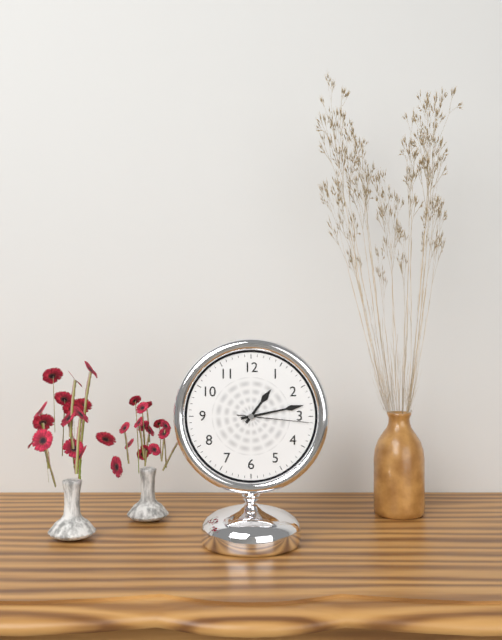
1,13,16
